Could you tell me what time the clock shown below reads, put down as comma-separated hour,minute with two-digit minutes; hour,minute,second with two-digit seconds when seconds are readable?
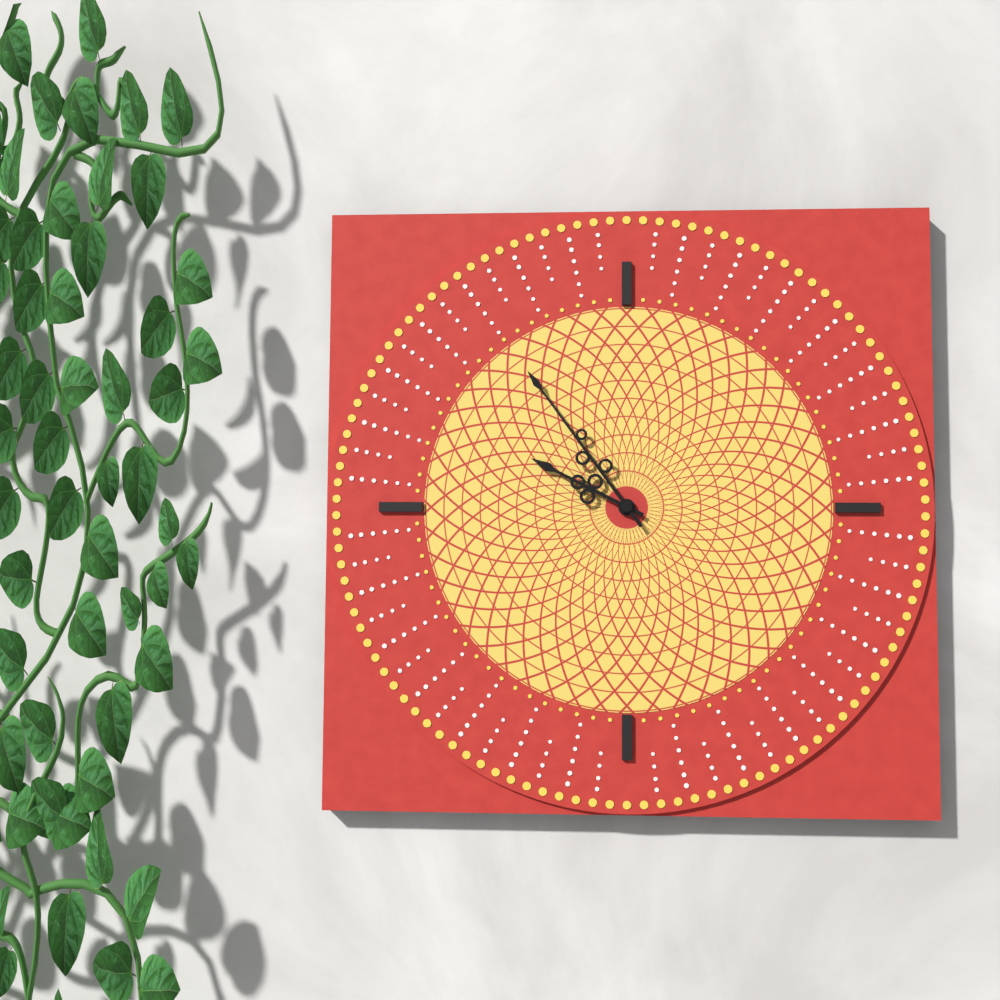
9,54
